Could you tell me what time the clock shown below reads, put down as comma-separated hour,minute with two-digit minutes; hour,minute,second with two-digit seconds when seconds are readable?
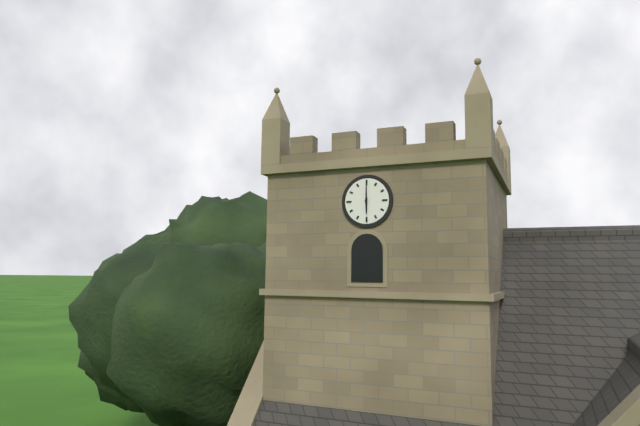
6,00
